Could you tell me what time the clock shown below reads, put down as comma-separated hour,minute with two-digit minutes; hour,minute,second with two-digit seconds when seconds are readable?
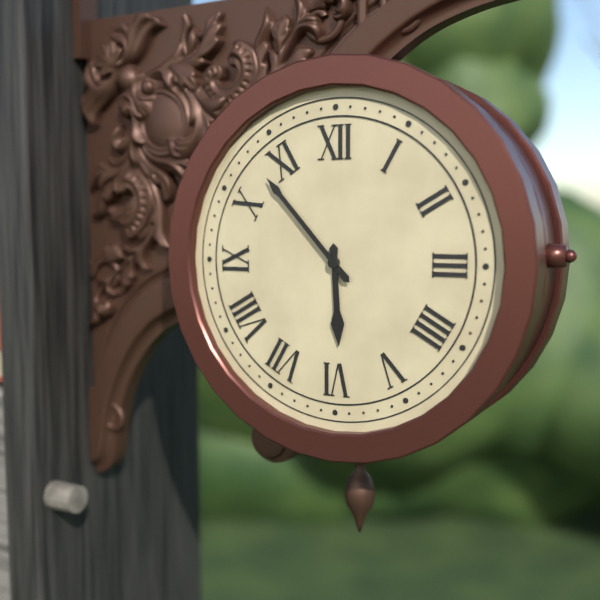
5,53
